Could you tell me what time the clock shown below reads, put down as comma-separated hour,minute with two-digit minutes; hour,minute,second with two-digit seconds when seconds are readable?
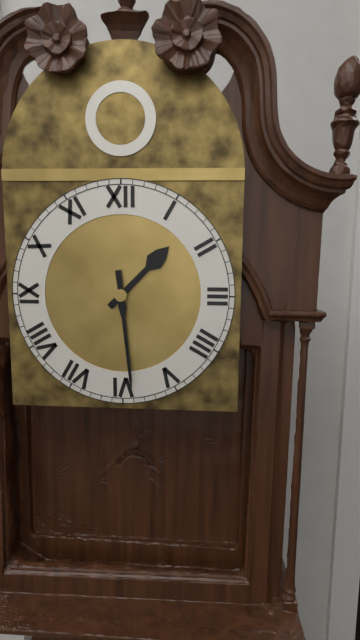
1,29
